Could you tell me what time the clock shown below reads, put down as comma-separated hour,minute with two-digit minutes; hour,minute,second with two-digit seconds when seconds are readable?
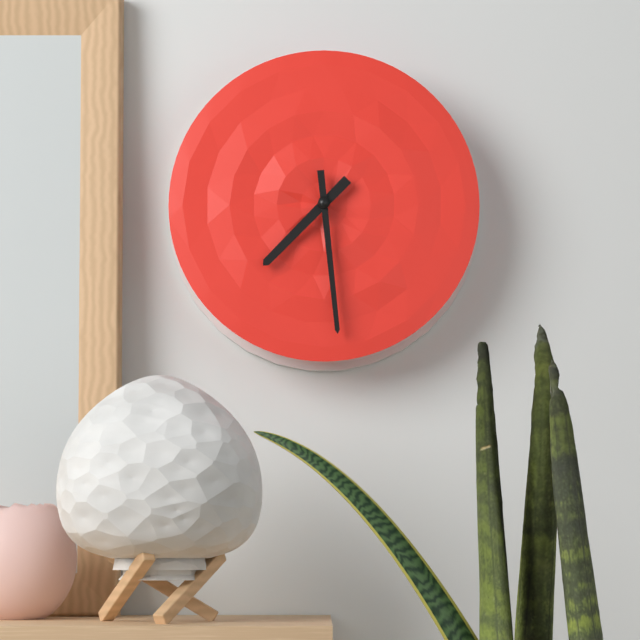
7,29
